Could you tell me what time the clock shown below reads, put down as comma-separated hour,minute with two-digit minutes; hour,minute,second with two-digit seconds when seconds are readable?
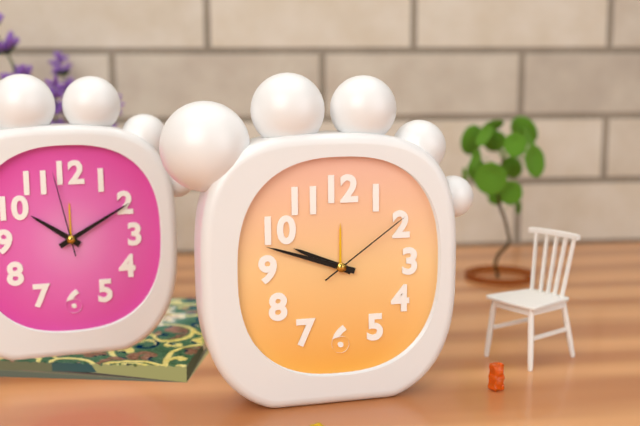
9,48,09
